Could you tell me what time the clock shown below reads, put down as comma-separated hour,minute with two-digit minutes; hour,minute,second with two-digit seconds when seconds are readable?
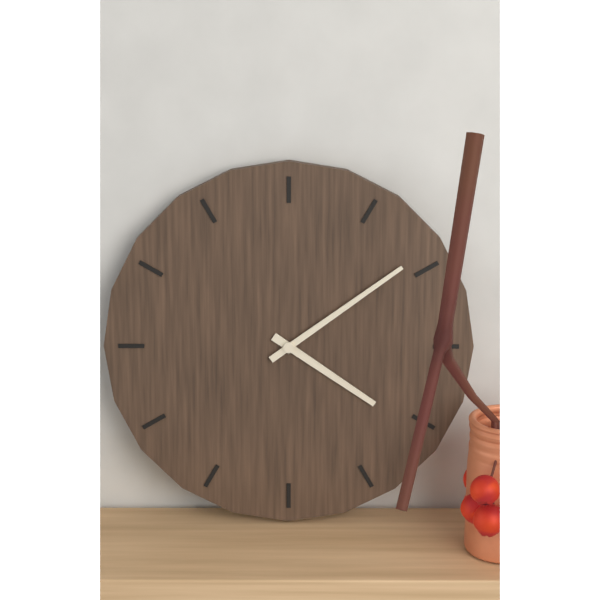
4,09
